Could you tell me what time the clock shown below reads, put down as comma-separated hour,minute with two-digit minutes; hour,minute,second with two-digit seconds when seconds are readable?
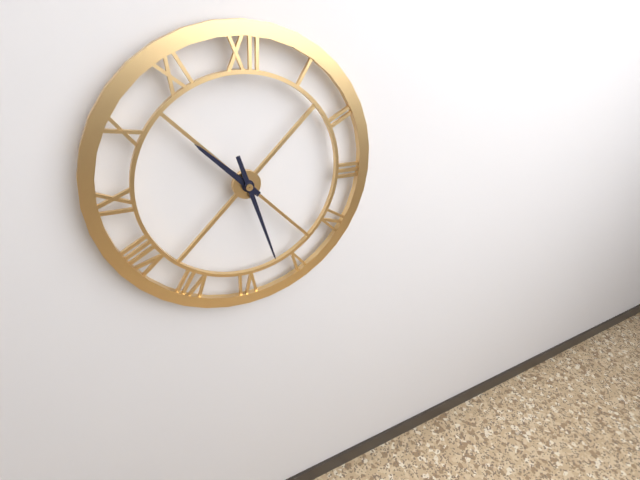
10,27
